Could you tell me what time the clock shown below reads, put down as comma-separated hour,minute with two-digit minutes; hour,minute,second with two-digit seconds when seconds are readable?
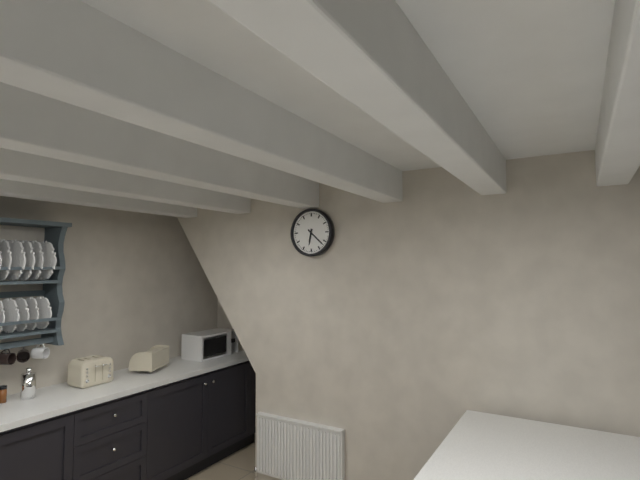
6,22
